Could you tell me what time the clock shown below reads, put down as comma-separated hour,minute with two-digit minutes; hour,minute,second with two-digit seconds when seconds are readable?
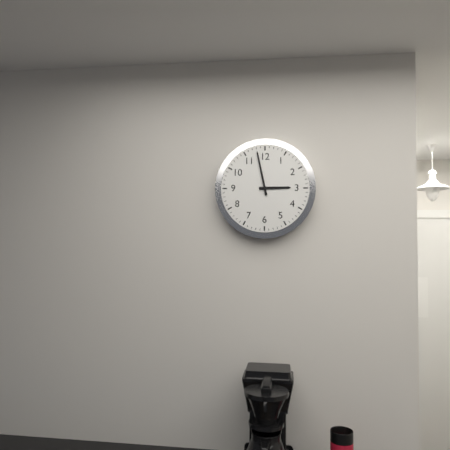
2,58
